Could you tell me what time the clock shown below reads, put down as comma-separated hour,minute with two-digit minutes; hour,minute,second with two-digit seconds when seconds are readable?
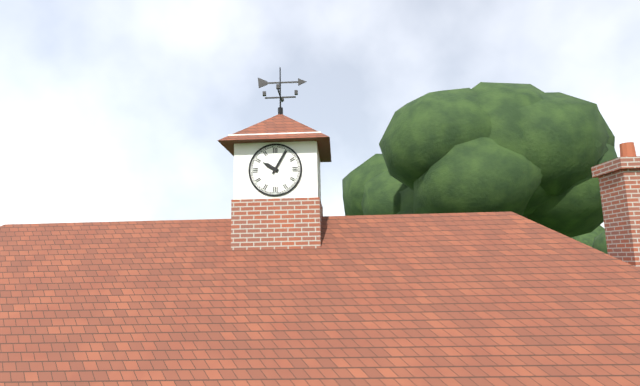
10,05
